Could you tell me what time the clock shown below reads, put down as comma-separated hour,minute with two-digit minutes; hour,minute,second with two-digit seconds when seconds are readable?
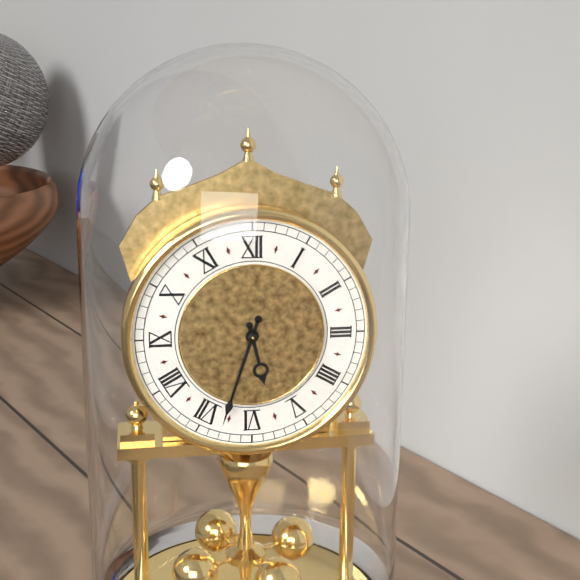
5,33
